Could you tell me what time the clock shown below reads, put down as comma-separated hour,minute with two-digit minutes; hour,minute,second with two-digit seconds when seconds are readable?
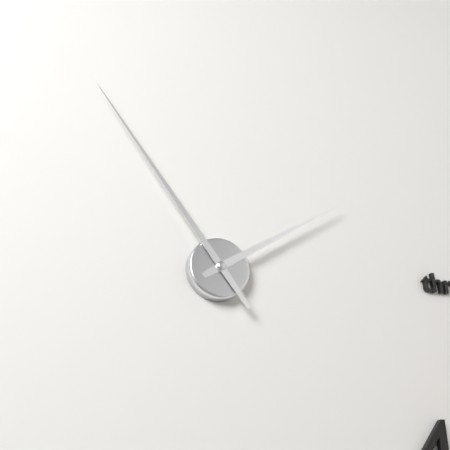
1,54
